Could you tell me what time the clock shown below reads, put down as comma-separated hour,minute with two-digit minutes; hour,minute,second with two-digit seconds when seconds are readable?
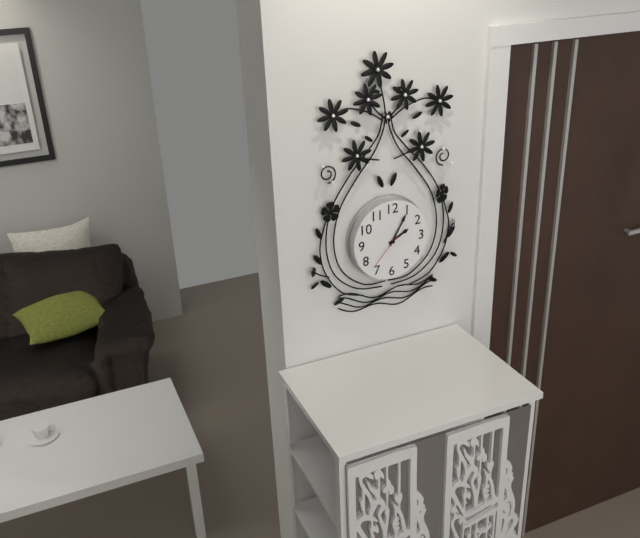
2,05
